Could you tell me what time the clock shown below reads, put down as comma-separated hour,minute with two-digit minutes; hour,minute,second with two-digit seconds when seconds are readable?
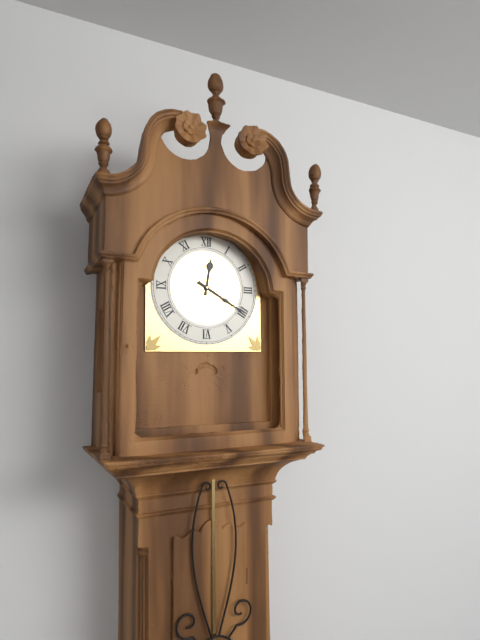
12,20
